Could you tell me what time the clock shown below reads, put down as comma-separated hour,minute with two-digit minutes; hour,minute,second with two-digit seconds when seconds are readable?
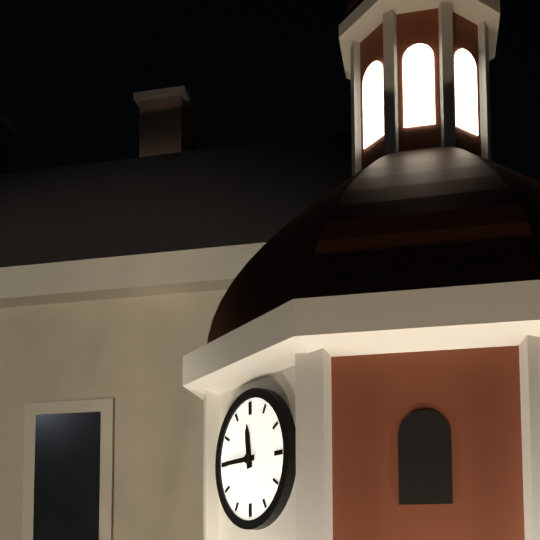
11,45
